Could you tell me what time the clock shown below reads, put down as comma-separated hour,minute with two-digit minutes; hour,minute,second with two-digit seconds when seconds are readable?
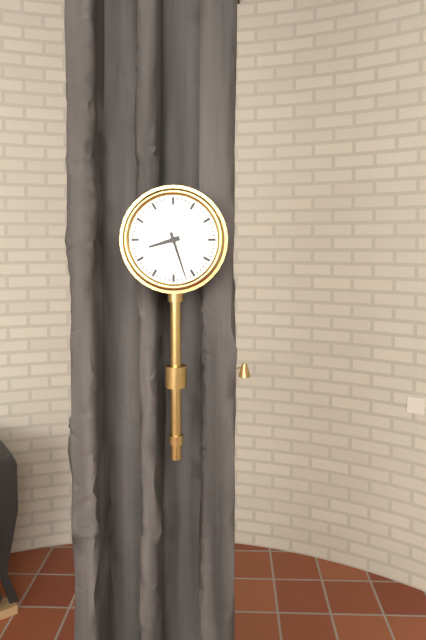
8,27
